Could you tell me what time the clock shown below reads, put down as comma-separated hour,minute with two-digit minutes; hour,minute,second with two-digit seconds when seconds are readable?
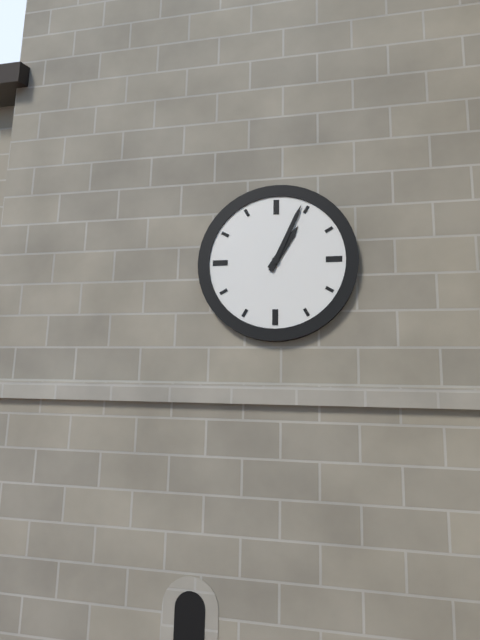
1,04
